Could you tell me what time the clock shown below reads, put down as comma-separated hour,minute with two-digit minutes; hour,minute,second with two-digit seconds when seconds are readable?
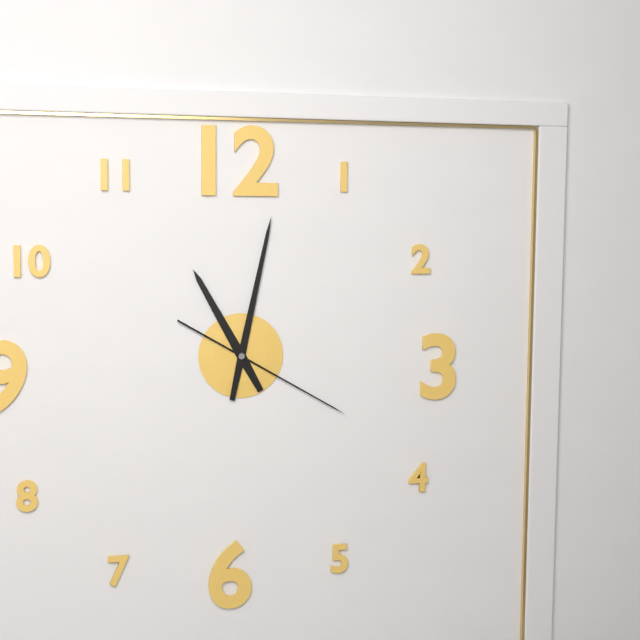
11,02,20
